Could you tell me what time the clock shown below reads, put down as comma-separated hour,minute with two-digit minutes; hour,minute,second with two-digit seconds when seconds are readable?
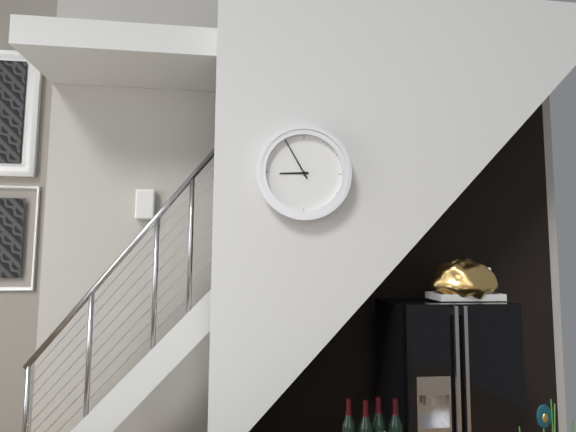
8,55
